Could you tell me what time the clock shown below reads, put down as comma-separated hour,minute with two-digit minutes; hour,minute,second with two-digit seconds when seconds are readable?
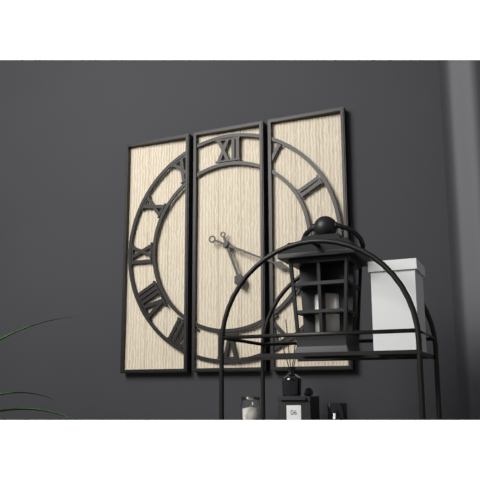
5,19
